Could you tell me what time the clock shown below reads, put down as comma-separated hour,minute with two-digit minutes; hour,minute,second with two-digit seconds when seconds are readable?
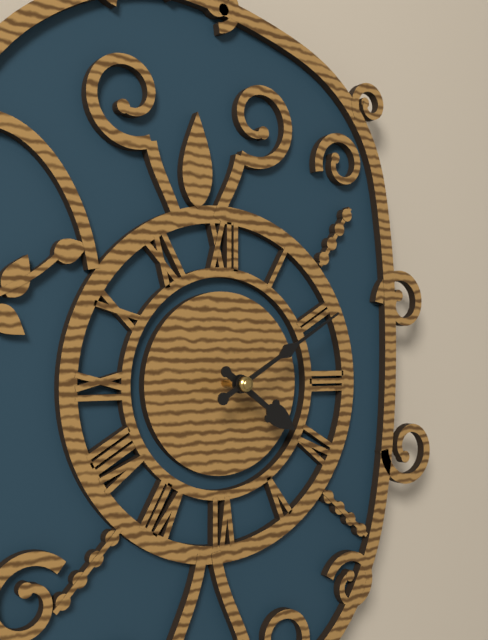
4,10
